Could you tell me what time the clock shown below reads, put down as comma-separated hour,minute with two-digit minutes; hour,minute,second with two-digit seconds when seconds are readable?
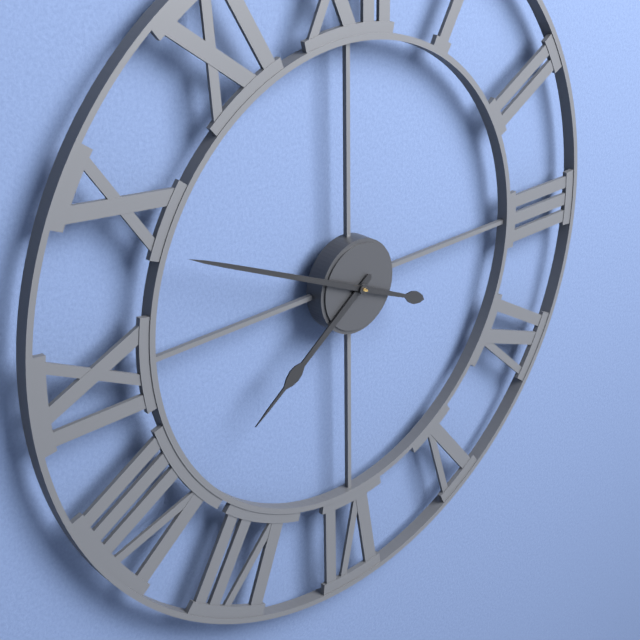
7,49
